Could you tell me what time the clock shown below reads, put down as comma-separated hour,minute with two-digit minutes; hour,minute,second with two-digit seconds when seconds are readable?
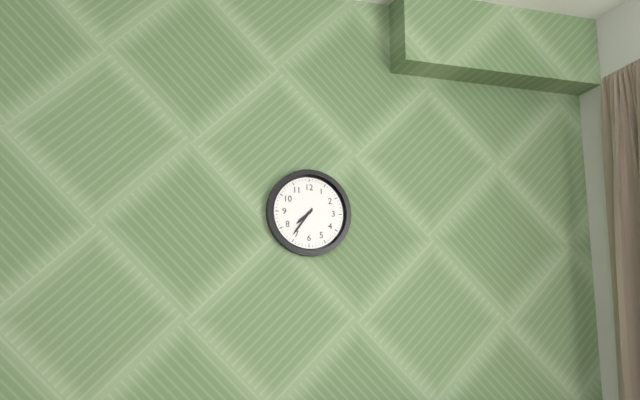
7,36
